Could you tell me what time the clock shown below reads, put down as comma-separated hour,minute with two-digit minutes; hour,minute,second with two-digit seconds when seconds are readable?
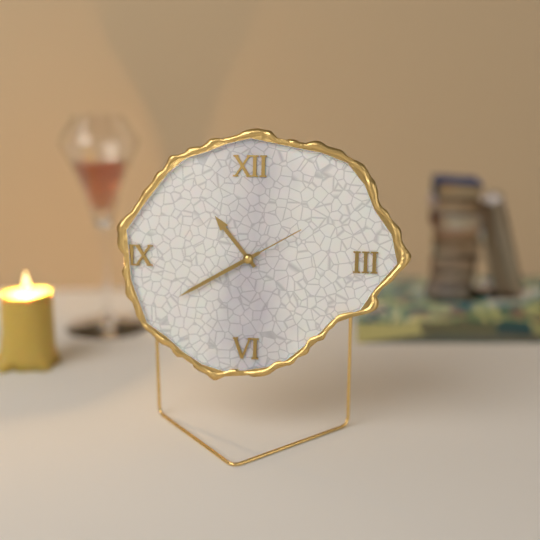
10,40,10
